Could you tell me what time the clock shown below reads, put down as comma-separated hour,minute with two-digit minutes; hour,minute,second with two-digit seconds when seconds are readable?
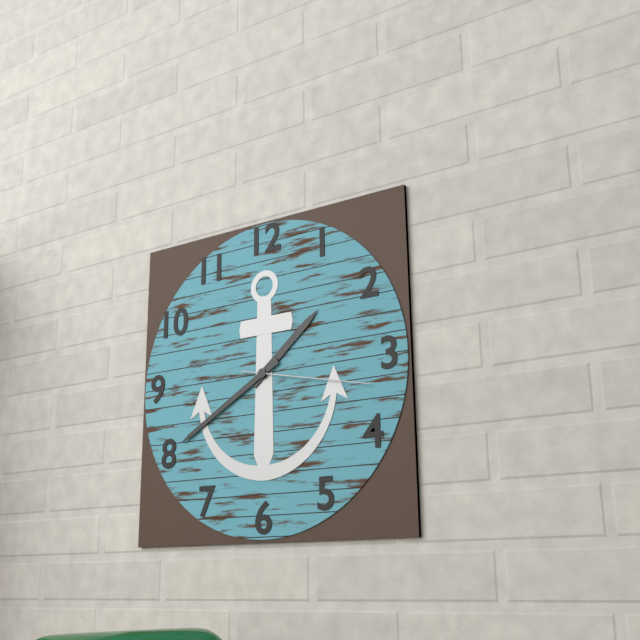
1,40,17
